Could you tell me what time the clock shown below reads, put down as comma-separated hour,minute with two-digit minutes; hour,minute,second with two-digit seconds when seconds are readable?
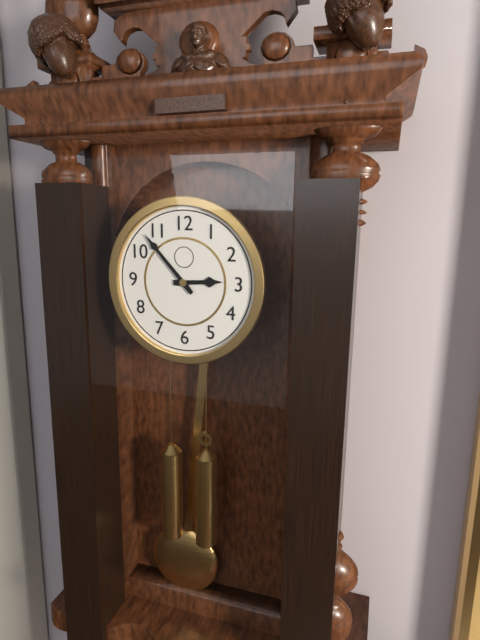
2,53
